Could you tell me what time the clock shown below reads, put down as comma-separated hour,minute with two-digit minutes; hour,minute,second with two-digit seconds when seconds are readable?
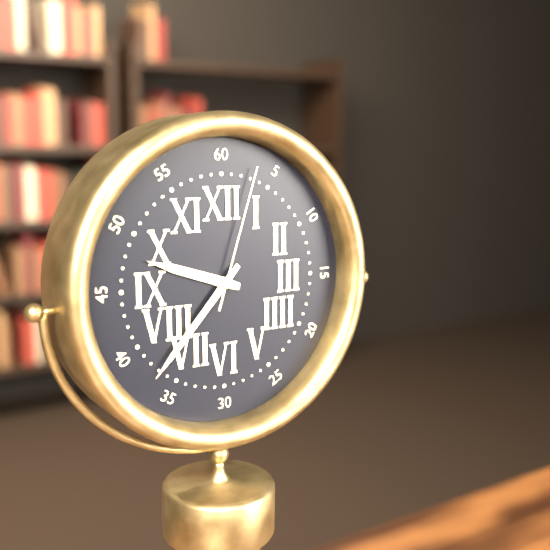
9,37,03
